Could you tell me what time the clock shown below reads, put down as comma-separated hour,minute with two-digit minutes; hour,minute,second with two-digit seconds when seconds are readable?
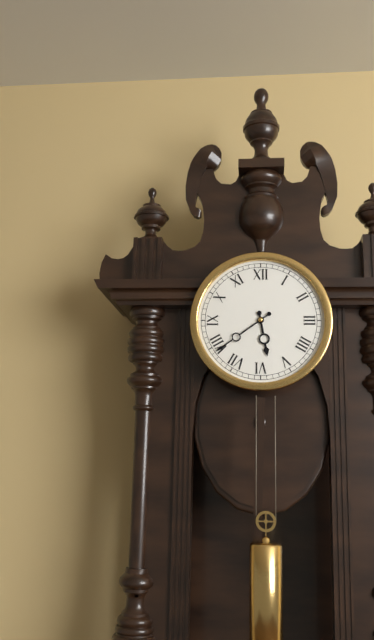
5,39
